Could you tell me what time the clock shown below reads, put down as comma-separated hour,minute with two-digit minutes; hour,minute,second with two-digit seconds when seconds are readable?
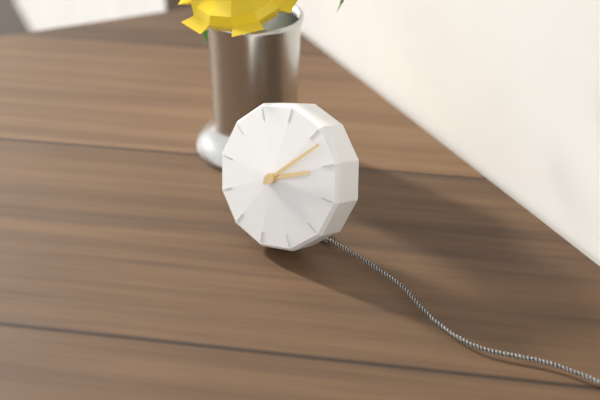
2,07
